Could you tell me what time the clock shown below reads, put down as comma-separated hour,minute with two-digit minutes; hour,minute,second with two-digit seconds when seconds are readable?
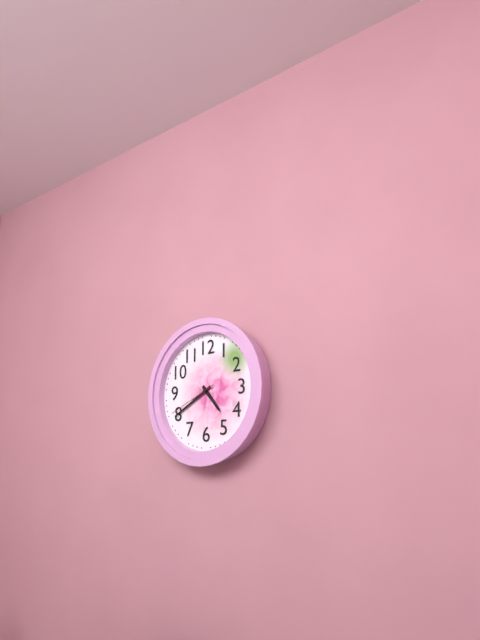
4,40,41
